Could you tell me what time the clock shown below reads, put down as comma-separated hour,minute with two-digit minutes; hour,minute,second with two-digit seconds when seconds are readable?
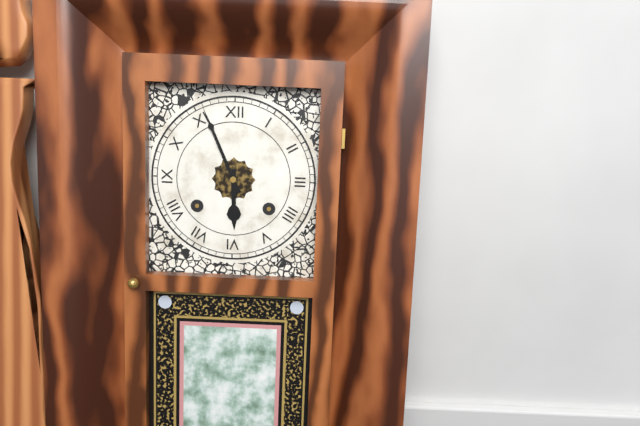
5,56
